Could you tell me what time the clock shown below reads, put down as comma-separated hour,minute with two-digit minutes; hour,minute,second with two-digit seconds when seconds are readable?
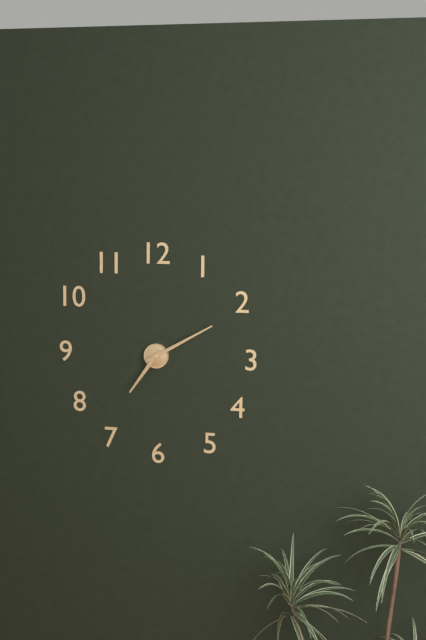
7,10
